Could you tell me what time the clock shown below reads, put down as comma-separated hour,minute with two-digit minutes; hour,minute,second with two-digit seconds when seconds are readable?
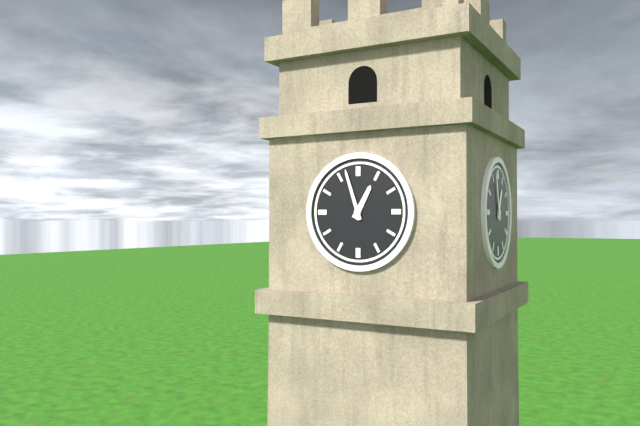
12,57
